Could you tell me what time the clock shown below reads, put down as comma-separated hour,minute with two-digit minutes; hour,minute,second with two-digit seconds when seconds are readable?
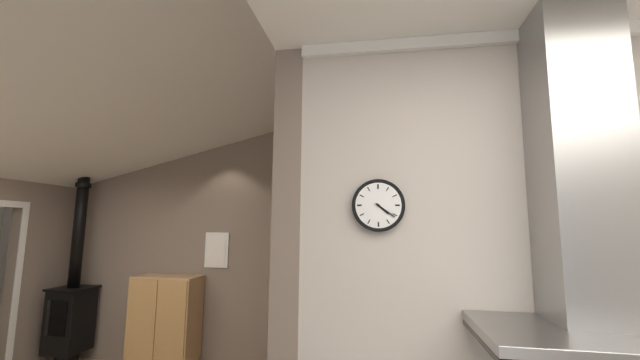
4,21
